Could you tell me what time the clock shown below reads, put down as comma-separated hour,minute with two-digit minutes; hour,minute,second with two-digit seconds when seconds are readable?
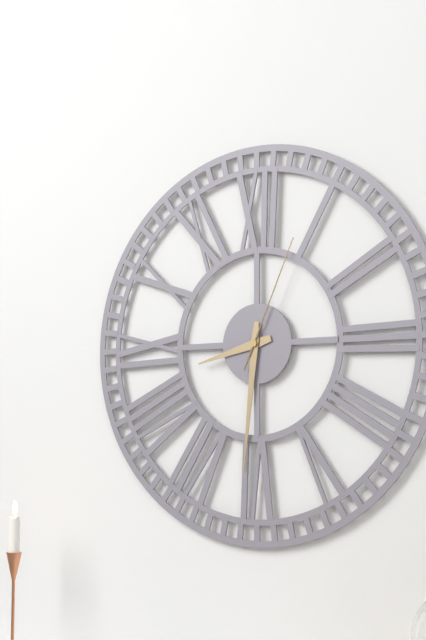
8,31,04
